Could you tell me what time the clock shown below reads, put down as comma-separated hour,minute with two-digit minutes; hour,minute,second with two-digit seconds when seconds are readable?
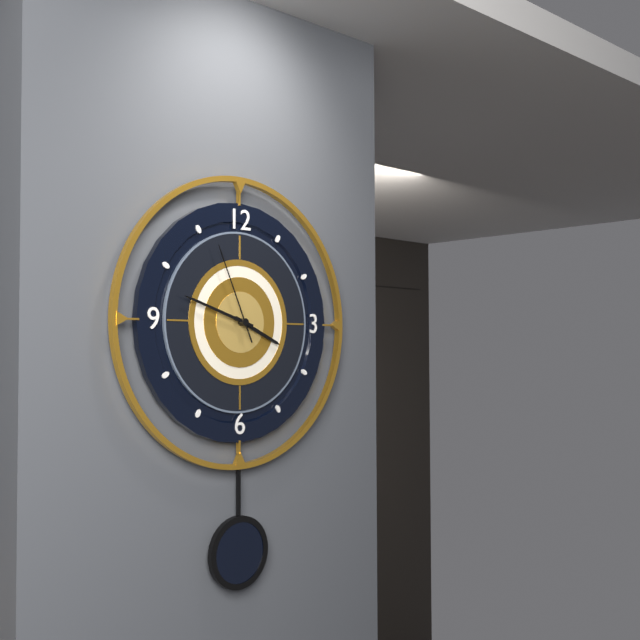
3,48,56
